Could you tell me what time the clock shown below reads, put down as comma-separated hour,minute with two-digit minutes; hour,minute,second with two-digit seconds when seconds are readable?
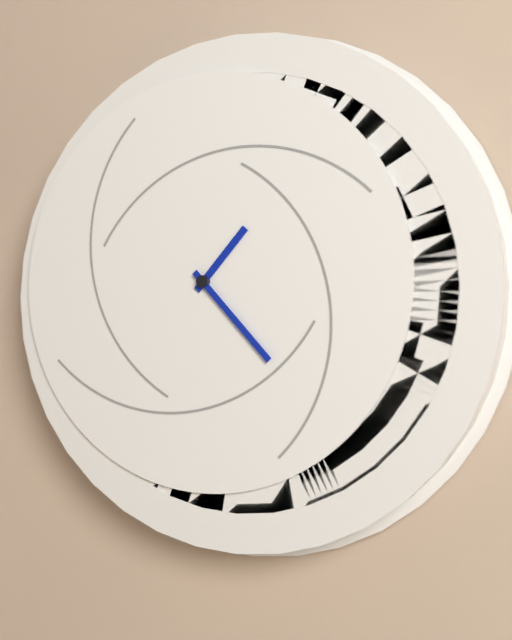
1,23
